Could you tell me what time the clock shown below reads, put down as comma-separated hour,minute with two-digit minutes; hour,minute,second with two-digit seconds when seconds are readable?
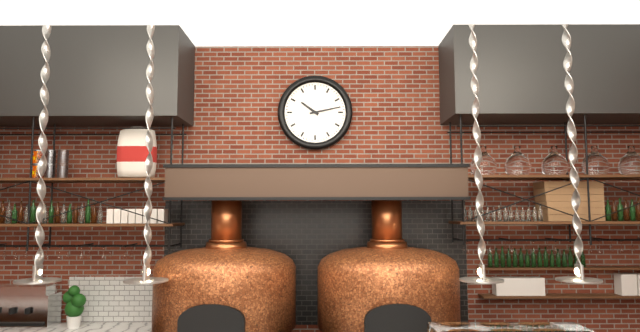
10,13
